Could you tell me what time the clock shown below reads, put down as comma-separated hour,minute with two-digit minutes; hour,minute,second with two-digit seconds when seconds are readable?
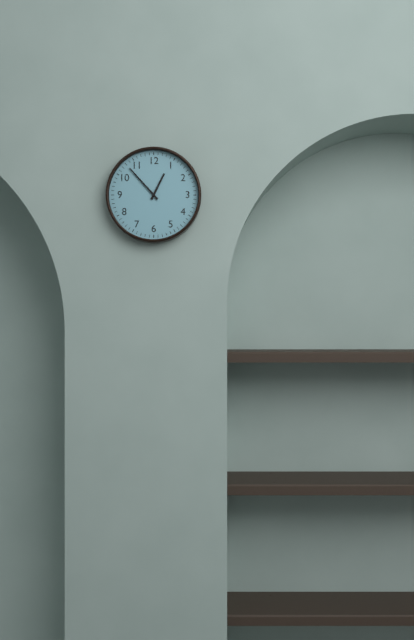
12,53
